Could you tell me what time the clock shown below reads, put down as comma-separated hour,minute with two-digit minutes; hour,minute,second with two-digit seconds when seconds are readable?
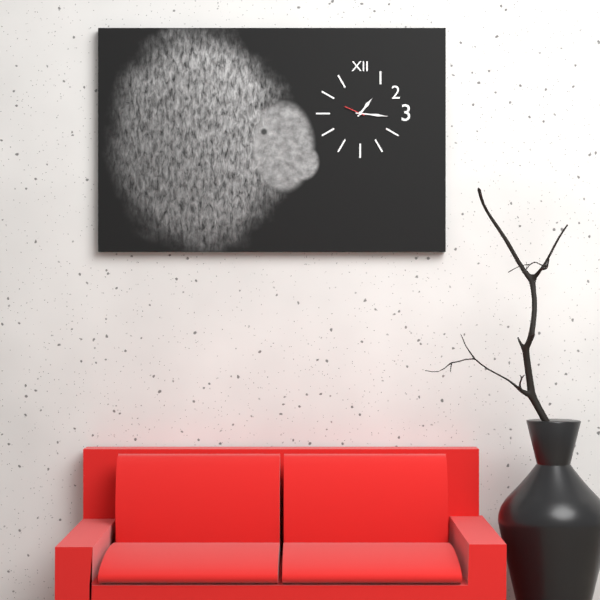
1,16
